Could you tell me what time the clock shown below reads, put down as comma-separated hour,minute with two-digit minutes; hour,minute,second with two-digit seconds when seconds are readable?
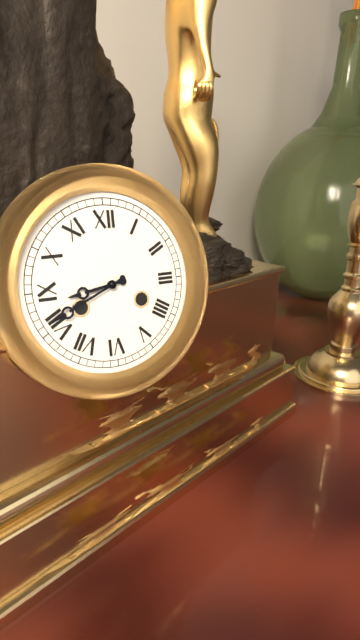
8,41
